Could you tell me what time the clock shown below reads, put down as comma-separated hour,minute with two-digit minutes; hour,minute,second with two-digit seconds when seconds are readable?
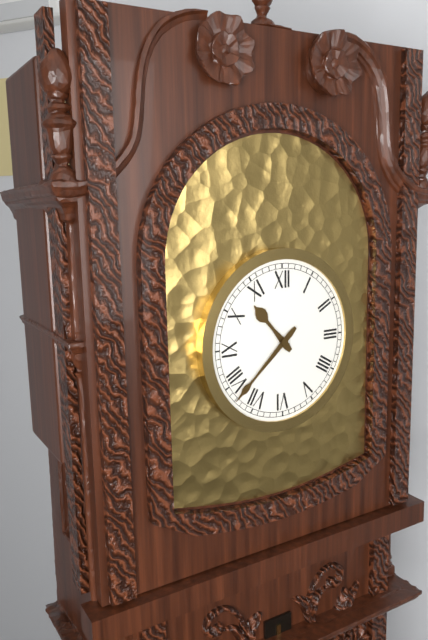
10,38
